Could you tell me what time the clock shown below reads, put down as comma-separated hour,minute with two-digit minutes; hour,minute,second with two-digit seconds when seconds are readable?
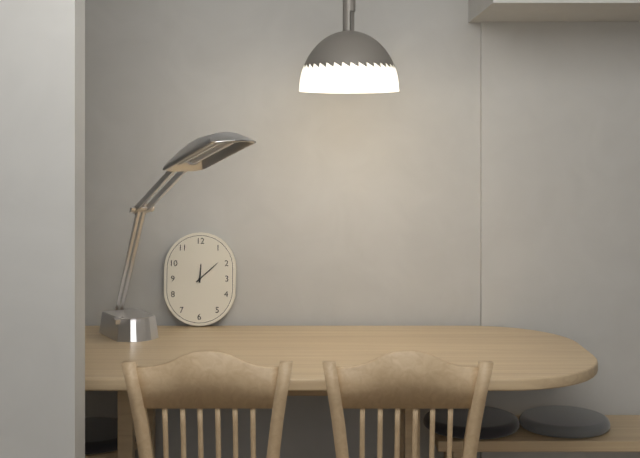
12,08
